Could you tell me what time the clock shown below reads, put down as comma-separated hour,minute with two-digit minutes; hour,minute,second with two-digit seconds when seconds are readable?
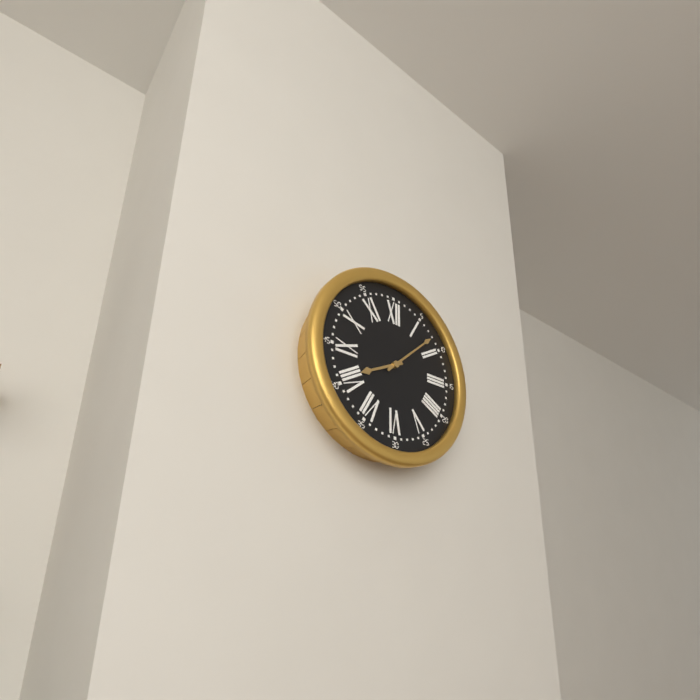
8,08
